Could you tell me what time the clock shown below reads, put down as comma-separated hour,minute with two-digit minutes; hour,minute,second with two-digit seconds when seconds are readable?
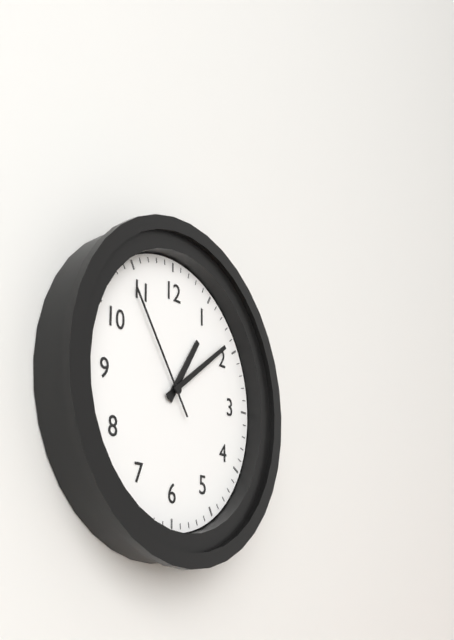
1,09,54
